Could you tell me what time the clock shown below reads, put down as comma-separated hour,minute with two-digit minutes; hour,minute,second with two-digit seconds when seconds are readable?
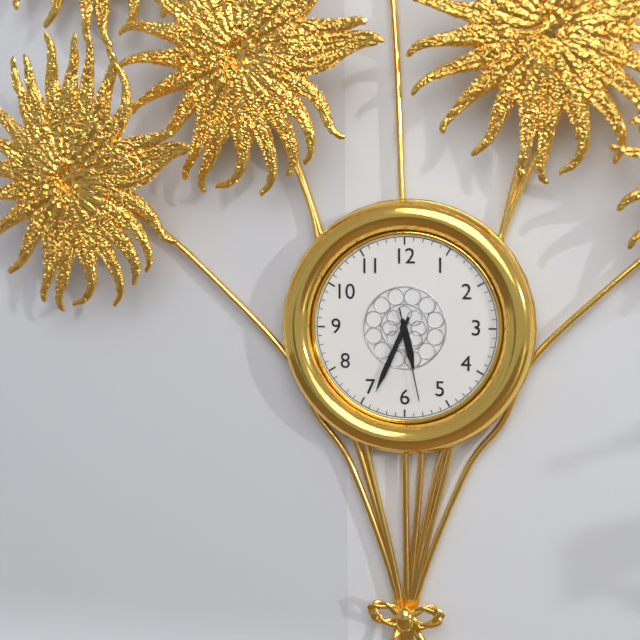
5,34,28
